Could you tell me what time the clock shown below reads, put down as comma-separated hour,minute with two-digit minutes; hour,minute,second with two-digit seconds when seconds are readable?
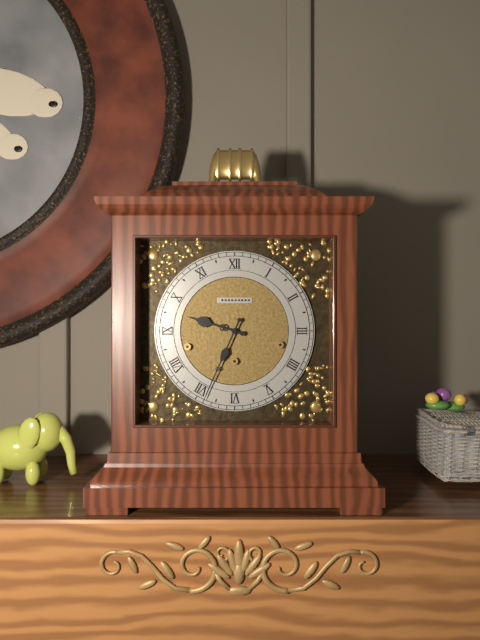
9,34
